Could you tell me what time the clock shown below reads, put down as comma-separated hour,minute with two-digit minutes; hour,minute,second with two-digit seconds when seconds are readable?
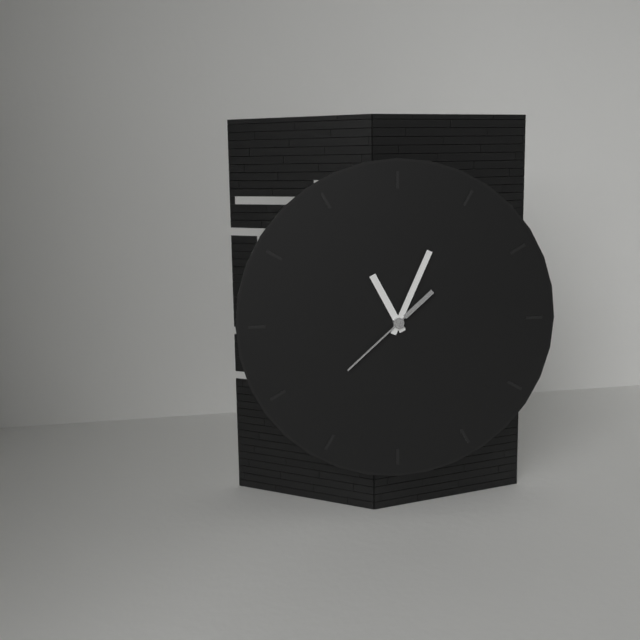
11,04,38
